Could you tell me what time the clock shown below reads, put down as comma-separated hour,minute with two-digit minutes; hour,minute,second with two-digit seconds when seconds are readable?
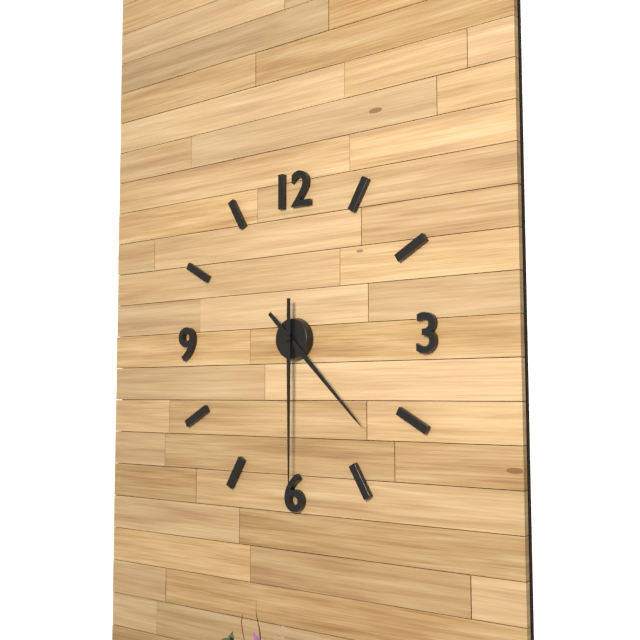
4,30
